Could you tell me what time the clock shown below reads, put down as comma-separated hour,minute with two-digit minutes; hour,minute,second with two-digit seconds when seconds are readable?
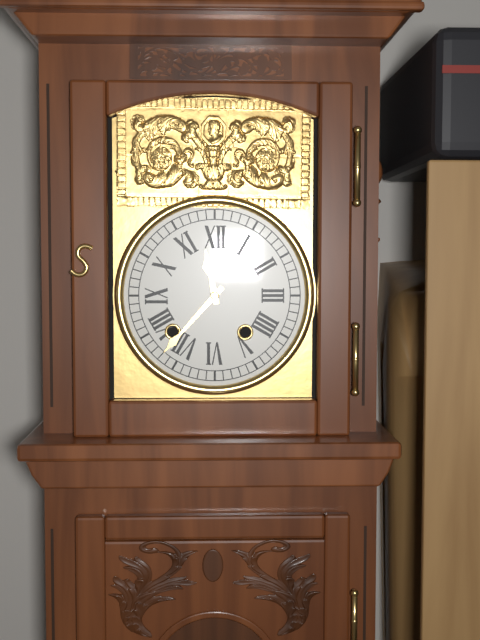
11,37
